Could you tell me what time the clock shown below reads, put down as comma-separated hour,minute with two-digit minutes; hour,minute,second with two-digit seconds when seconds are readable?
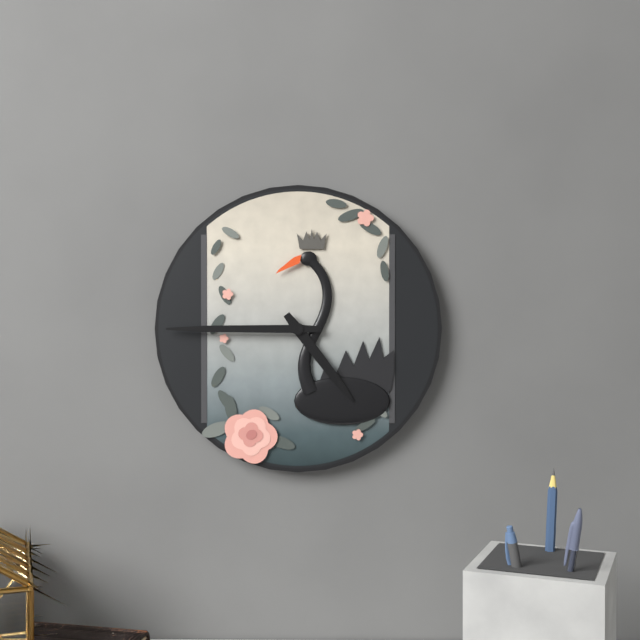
4,45
